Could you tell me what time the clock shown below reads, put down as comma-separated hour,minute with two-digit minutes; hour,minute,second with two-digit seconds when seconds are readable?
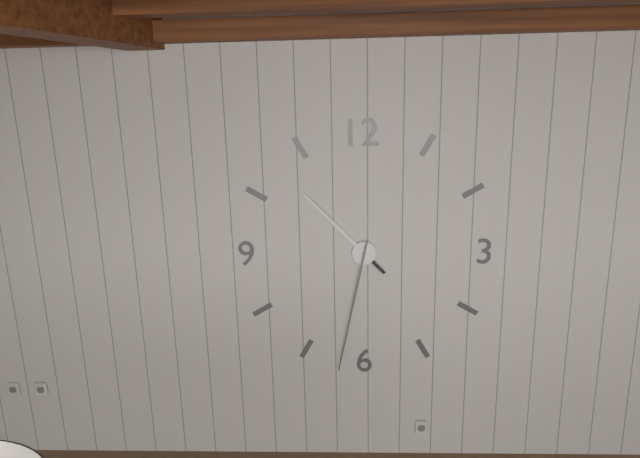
10,32
